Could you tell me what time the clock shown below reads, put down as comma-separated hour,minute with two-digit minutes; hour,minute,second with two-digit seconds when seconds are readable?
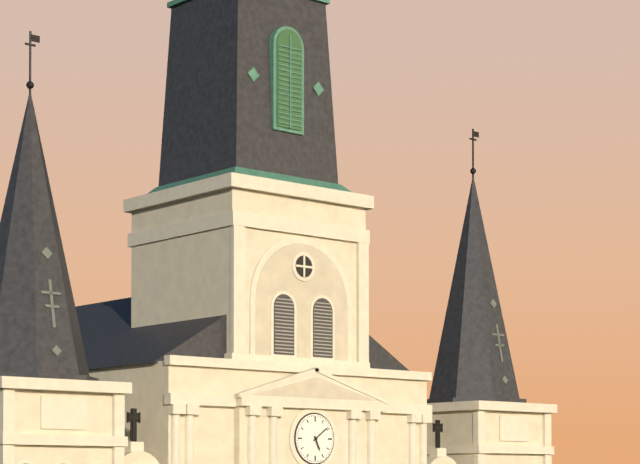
5,09
